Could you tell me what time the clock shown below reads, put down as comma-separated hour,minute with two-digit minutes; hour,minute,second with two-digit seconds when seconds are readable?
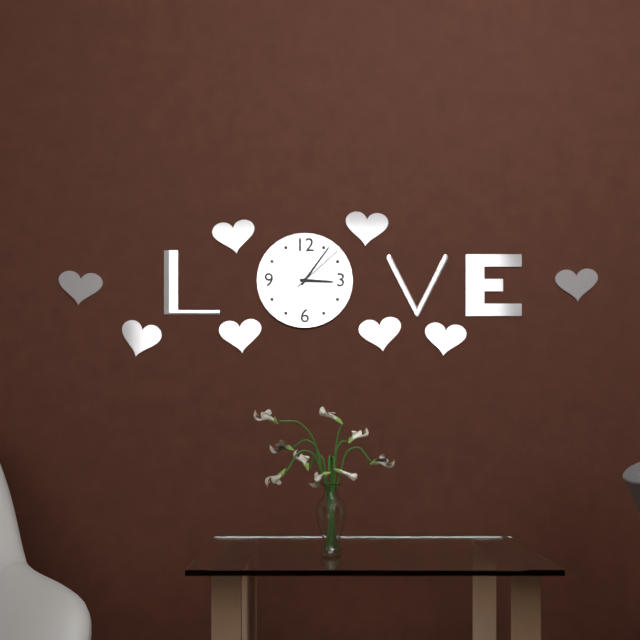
3,06,08
